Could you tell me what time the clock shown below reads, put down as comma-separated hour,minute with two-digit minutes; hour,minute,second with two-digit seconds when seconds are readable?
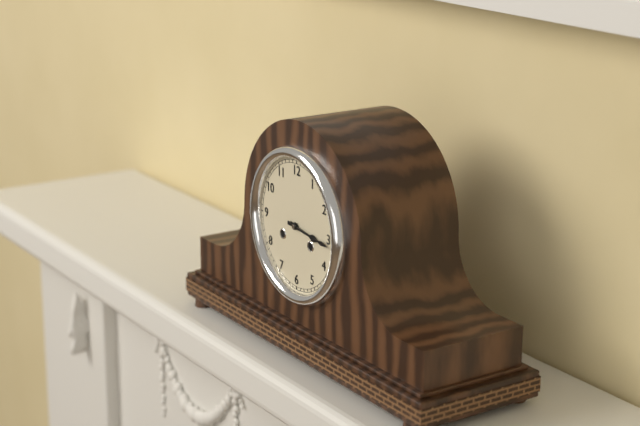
3,16
